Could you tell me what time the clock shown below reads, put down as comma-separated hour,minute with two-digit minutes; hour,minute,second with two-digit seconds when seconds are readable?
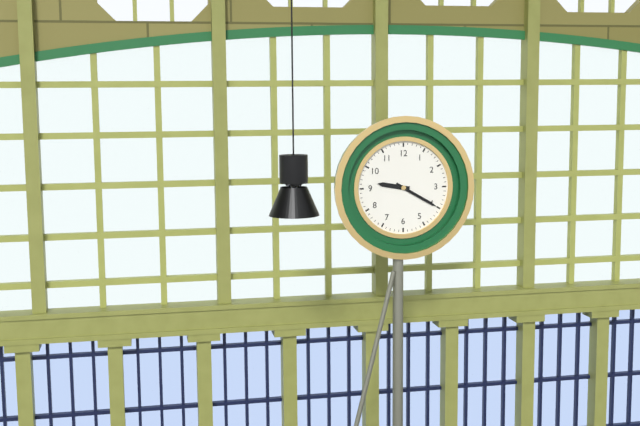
9,20
